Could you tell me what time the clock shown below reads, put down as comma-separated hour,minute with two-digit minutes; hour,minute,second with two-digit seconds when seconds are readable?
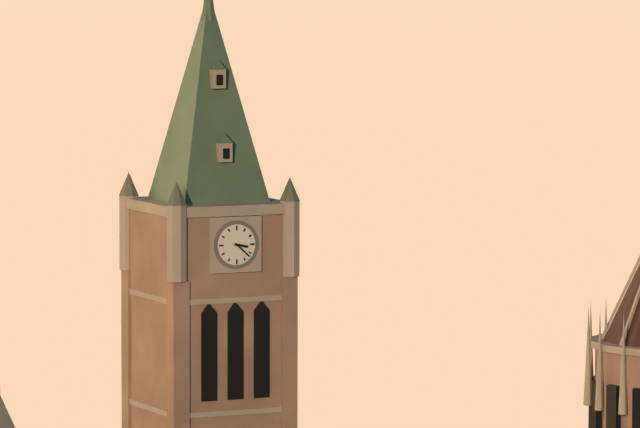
3,22
